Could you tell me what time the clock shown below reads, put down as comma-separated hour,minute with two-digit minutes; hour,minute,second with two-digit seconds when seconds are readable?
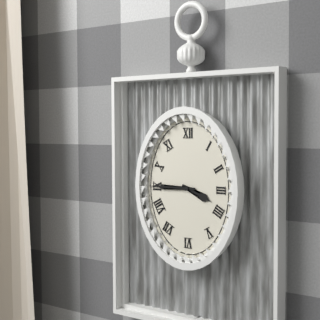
3,45
